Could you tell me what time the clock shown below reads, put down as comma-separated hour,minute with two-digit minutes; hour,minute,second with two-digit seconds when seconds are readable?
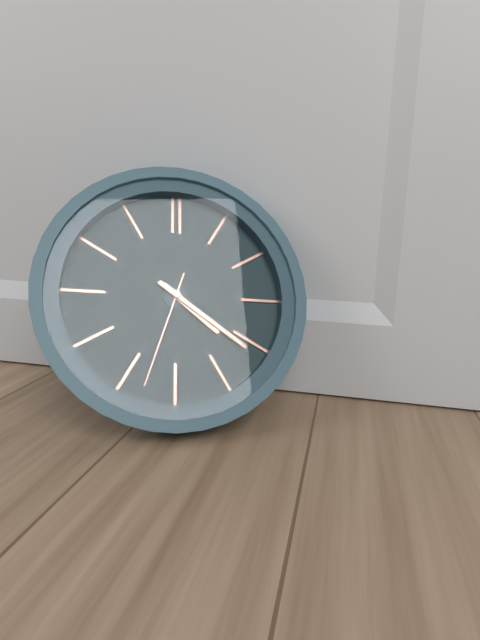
4,21,33
